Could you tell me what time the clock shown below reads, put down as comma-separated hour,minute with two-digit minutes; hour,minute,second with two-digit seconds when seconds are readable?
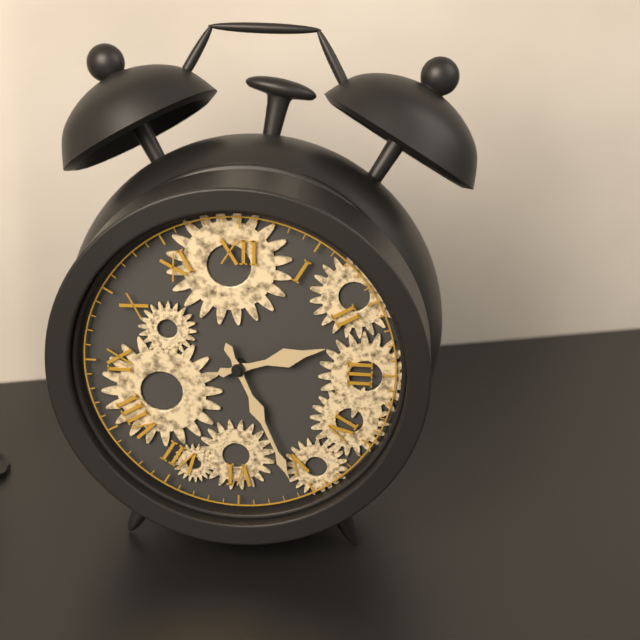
2,26
